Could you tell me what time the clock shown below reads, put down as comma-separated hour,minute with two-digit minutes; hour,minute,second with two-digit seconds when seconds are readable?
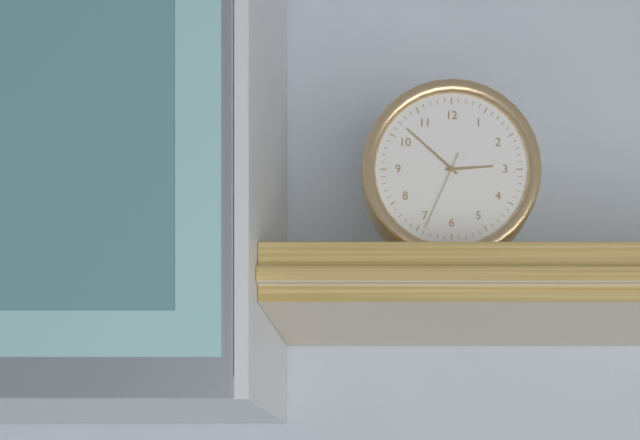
2,52,34
